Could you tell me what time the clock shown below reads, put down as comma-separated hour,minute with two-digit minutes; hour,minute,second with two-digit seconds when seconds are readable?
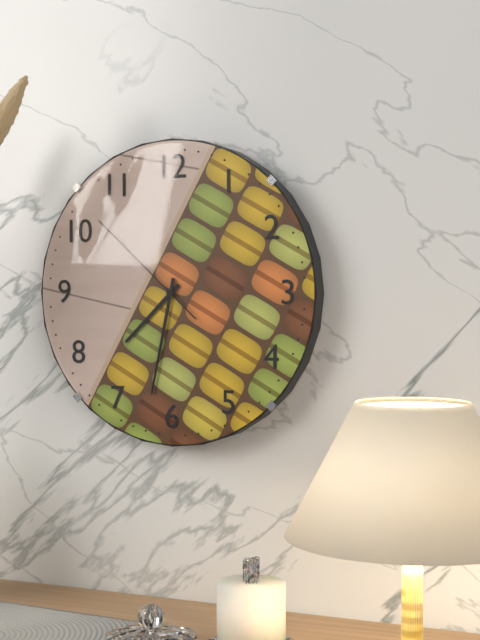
7,32,52
